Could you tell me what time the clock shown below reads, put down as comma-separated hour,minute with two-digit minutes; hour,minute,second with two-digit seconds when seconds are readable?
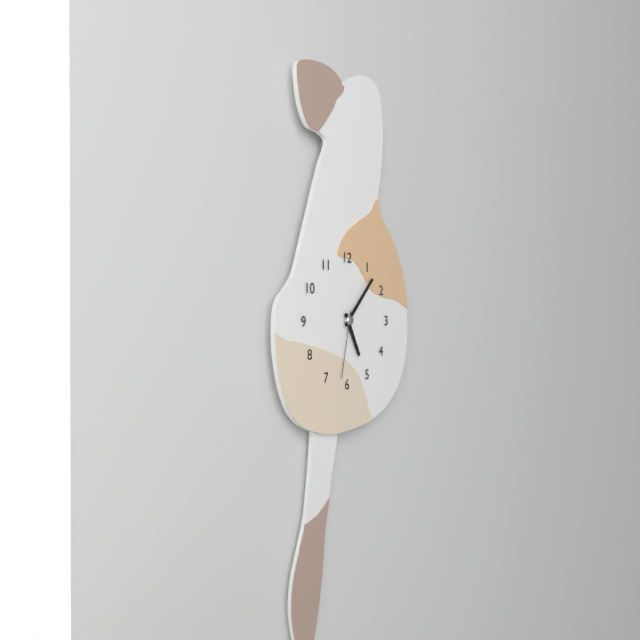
5,07,32
